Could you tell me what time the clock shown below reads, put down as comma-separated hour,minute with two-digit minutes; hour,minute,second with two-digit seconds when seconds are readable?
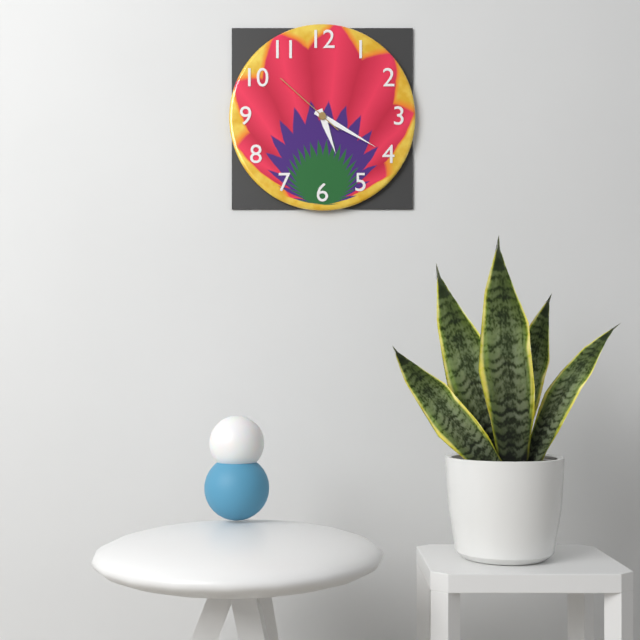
5,20,52
